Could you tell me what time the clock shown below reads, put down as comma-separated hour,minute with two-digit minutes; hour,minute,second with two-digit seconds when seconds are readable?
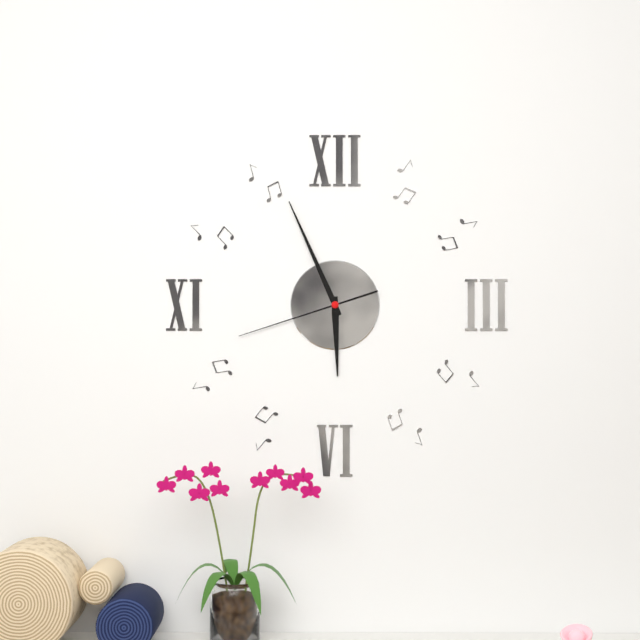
5,56,42
